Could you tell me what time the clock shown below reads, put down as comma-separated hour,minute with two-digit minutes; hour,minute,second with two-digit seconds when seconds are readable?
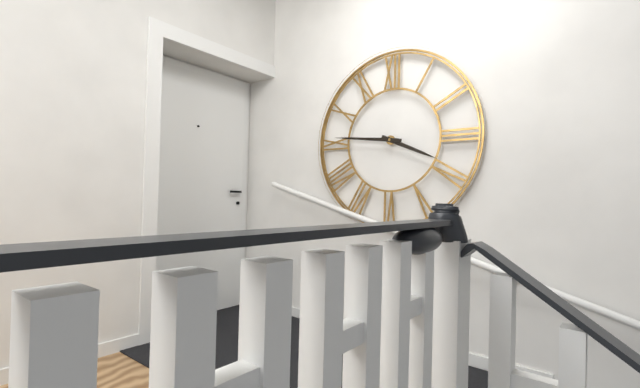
3,46
